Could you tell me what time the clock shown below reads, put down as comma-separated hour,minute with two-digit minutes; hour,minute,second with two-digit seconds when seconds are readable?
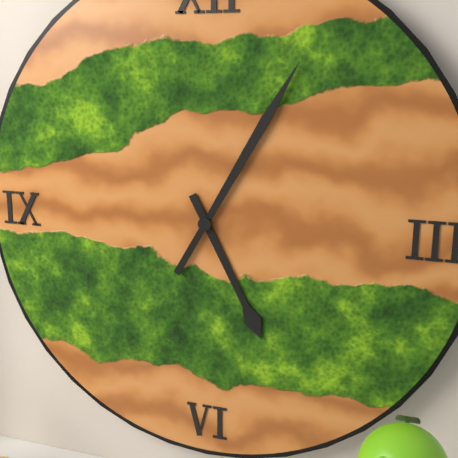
5,05
